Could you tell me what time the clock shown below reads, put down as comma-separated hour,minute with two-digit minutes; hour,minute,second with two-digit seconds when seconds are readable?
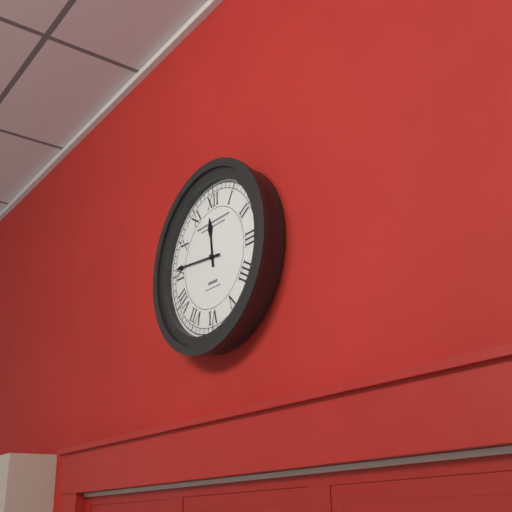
11,46
